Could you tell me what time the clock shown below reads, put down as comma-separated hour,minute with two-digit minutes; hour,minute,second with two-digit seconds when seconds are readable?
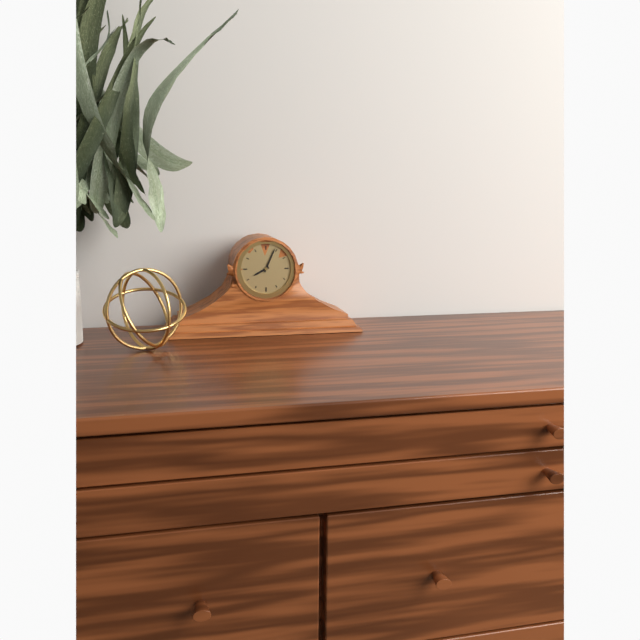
8,04
